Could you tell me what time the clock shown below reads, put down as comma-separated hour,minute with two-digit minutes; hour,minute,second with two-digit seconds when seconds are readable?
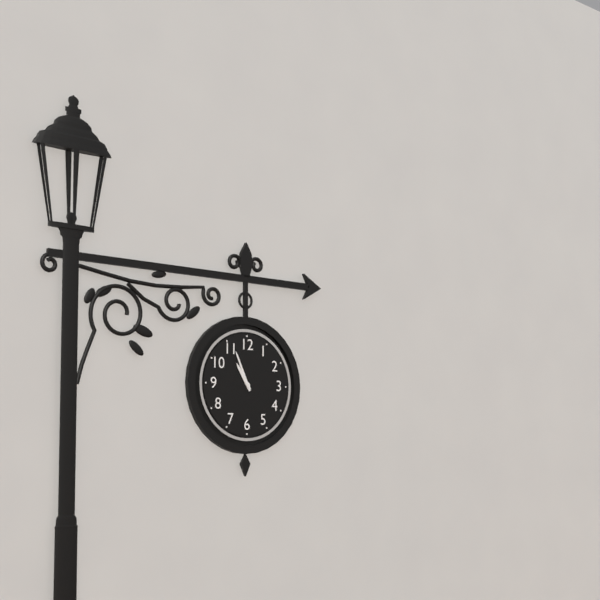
10,56
